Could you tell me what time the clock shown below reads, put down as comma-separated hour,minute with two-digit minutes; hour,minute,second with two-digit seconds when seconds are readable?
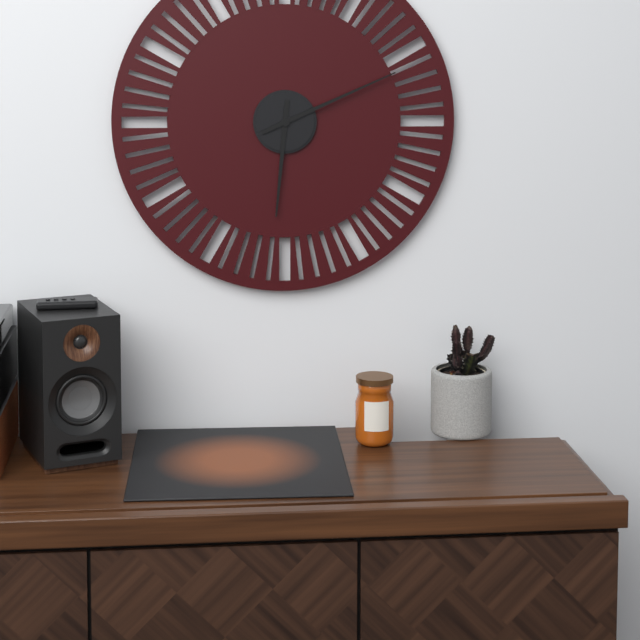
6,11
